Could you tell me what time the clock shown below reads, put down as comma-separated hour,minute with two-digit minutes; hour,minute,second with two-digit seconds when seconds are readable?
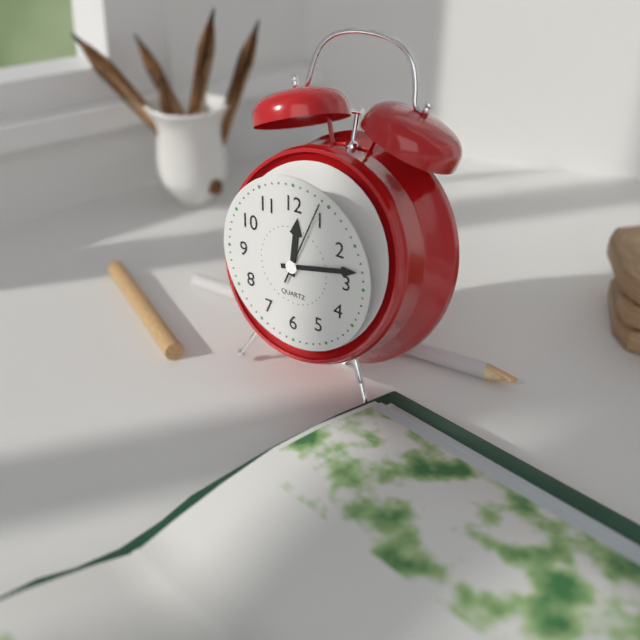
12,13,04
